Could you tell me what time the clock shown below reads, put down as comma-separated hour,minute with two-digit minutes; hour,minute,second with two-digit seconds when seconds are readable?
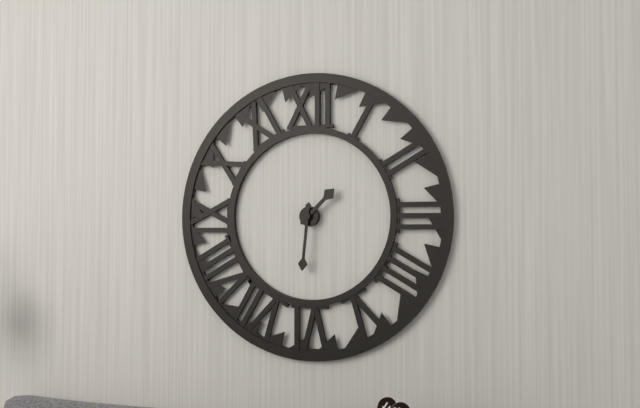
1,31
